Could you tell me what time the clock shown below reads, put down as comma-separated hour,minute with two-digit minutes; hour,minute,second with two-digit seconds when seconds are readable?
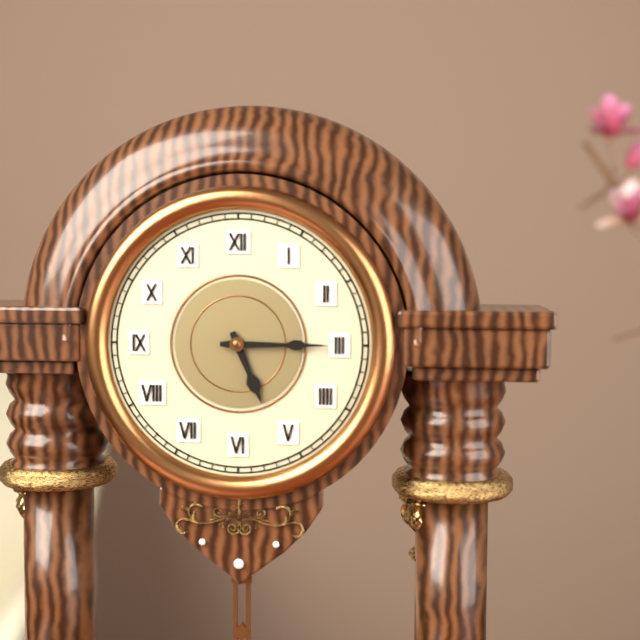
5,15
